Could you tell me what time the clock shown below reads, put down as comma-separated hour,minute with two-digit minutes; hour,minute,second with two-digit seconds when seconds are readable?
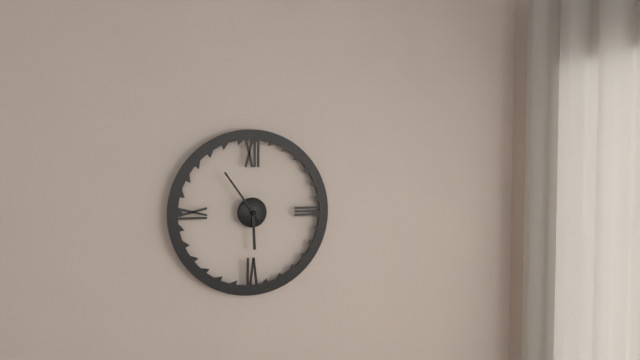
5,54
